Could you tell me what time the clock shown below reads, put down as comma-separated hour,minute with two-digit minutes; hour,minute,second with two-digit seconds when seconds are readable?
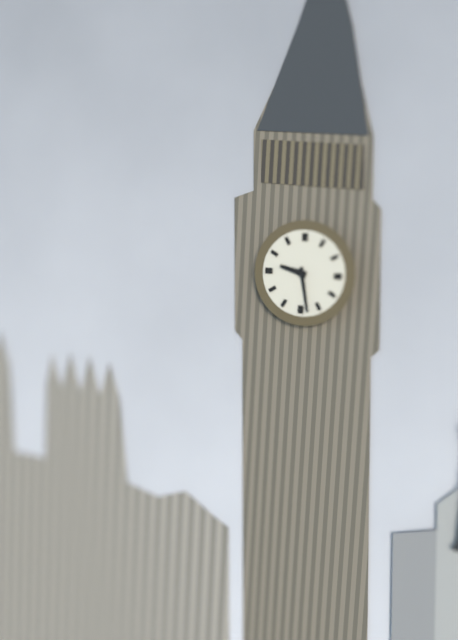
9,28
